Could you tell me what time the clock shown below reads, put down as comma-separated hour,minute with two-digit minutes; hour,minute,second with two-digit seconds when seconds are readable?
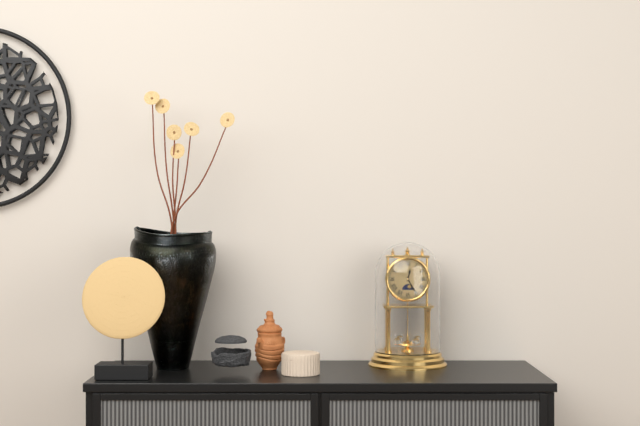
12,25
